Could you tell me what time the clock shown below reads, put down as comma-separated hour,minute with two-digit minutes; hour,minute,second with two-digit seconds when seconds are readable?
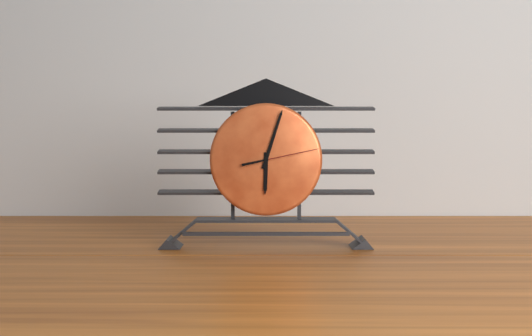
6,03,13
